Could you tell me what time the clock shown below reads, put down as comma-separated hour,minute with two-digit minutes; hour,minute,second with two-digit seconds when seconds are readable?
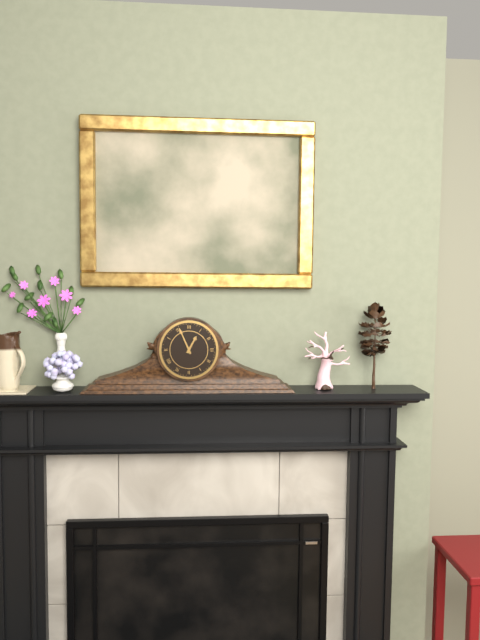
12,56
